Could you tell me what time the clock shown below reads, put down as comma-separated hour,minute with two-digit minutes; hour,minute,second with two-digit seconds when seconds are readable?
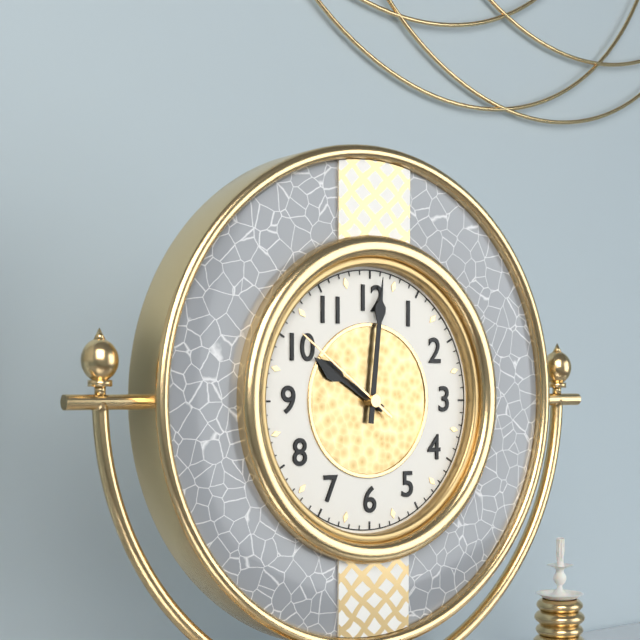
10,01,51
